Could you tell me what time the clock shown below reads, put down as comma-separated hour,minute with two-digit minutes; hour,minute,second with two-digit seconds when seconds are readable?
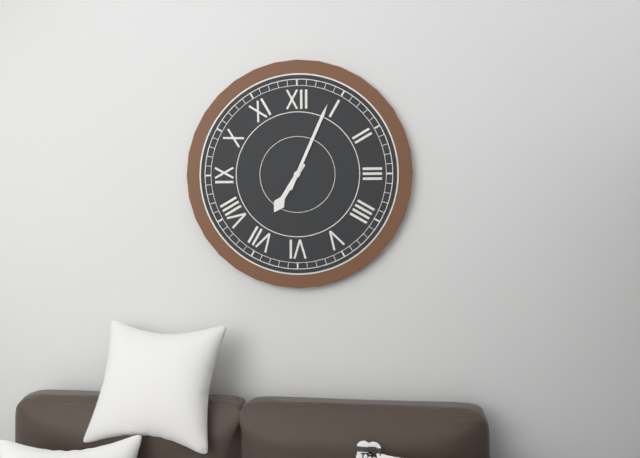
7,04
